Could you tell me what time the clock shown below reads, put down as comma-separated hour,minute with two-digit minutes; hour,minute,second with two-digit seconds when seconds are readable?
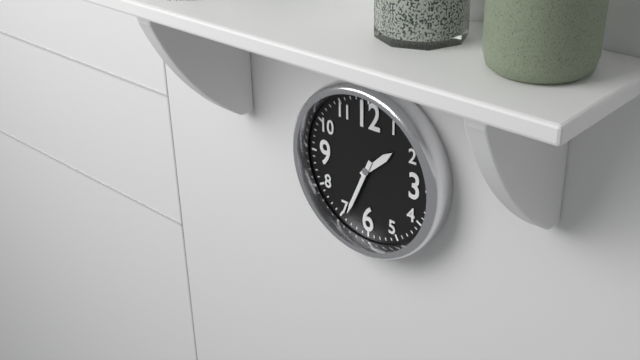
1,34
